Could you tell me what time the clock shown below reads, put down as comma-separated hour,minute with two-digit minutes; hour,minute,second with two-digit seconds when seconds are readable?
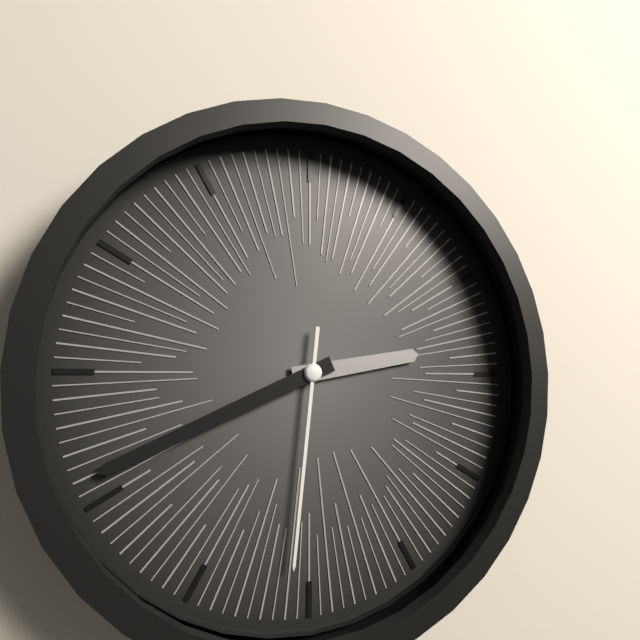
2,41,31
